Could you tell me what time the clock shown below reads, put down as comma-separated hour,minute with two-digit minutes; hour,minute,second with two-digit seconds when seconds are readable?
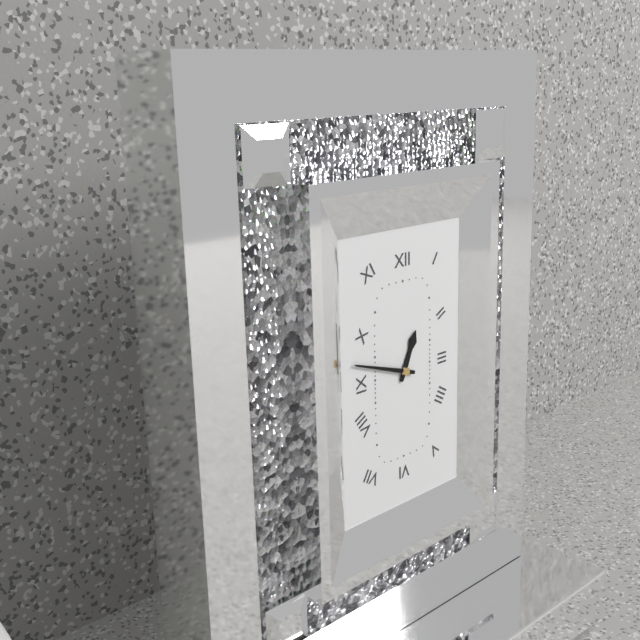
12,48
